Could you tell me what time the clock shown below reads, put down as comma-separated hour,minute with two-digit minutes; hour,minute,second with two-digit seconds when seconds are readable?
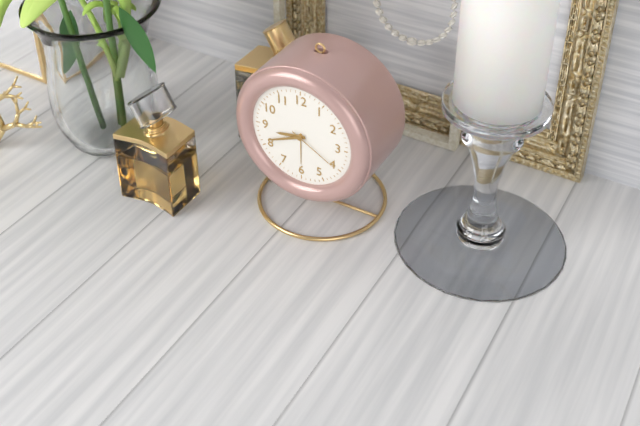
8,41,20
